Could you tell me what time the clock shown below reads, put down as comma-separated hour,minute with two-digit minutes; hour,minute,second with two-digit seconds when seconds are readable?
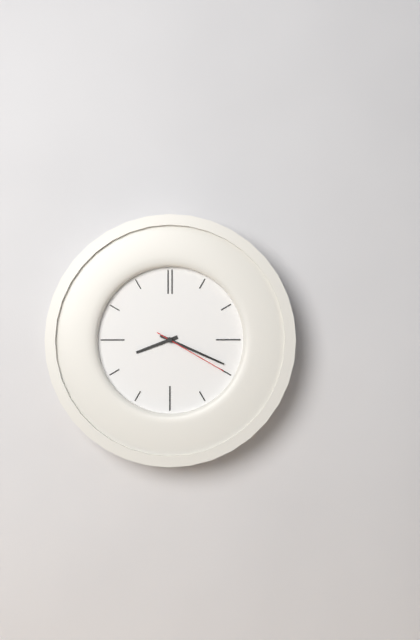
8,19,20
